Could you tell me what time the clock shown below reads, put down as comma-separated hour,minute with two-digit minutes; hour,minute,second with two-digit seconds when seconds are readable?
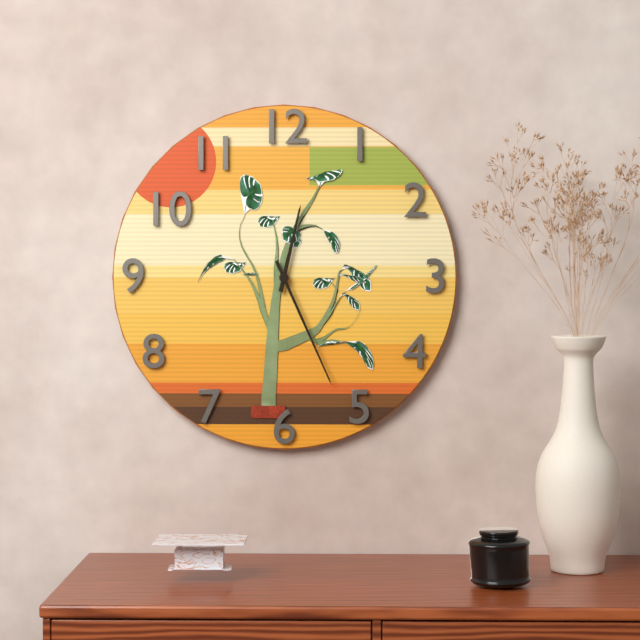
12,26
